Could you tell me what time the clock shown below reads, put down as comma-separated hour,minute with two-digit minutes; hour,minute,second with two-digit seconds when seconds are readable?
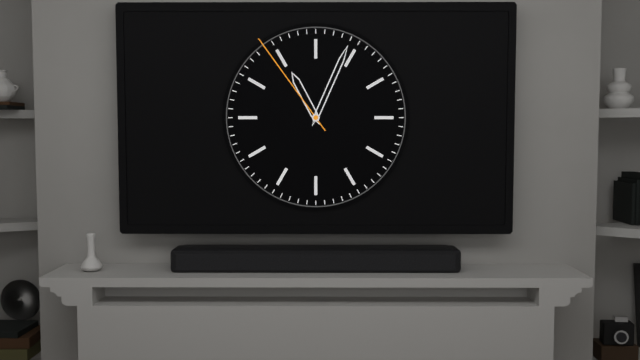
11,04,54
